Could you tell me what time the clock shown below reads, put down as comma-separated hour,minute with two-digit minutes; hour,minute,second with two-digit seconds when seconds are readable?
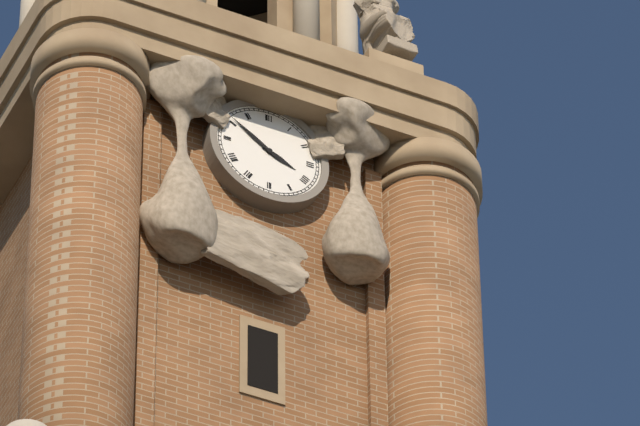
3,51
